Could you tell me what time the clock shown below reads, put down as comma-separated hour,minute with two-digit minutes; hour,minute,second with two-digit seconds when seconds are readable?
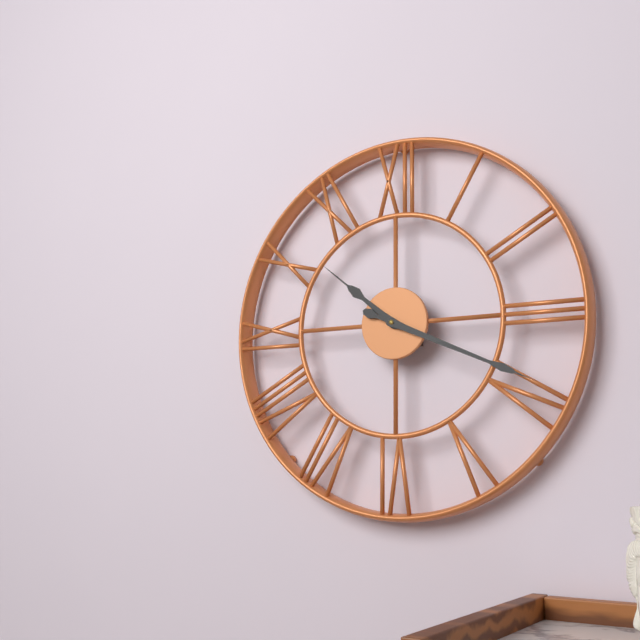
10,19
